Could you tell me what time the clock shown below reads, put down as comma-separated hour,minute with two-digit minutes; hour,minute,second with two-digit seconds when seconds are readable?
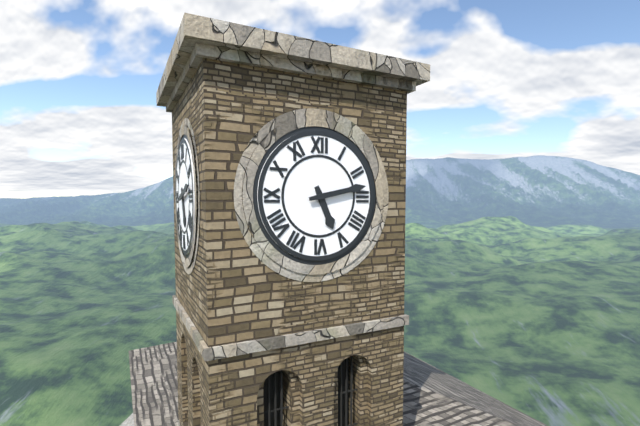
5,13
